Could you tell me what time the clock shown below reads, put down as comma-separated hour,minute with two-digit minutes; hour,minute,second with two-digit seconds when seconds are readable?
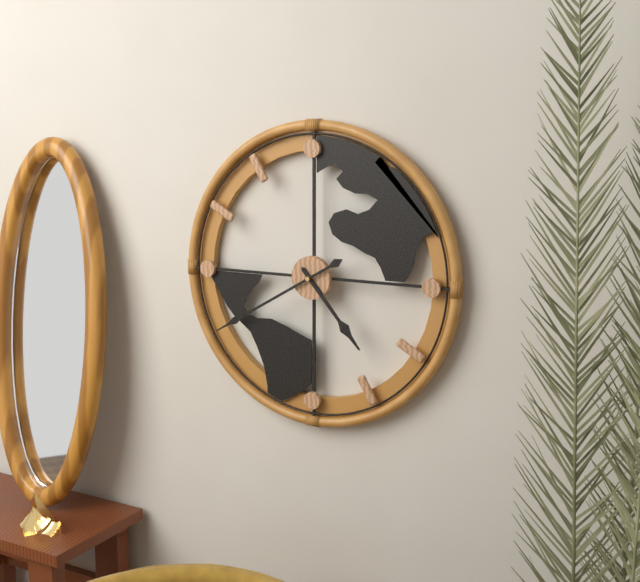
4,40
